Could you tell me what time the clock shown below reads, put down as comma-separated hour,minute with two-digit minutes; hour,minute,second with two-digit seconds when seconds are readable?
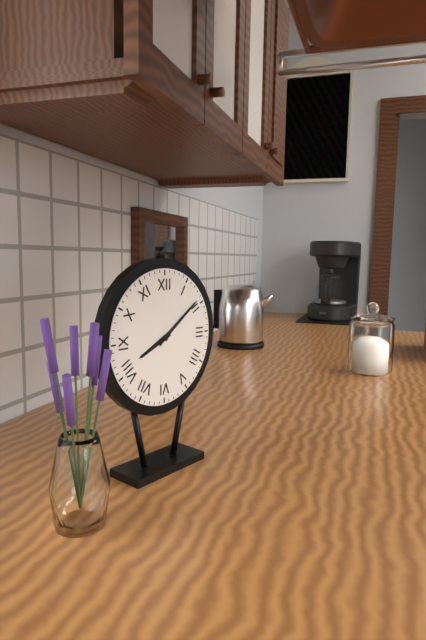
8,09
